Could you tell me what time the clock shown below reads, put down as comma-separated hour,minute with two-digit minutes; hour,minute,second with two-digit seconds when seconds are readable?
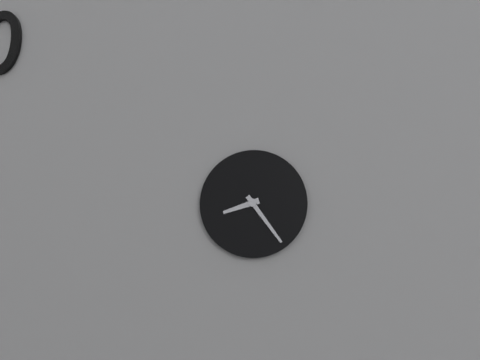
8,24
